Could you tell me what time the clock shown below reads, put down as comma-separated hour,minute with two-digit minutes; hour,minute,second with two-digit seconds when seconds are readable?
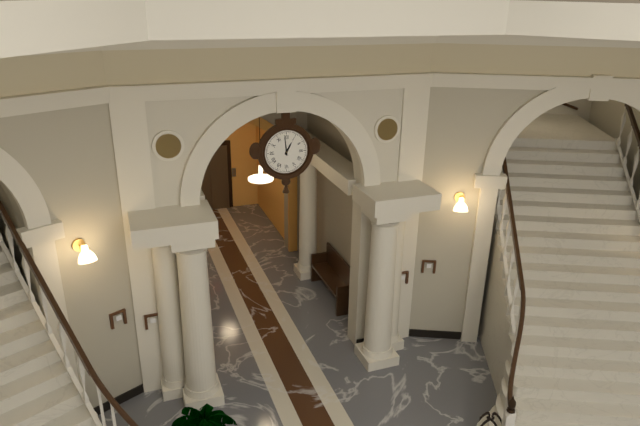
12,59
